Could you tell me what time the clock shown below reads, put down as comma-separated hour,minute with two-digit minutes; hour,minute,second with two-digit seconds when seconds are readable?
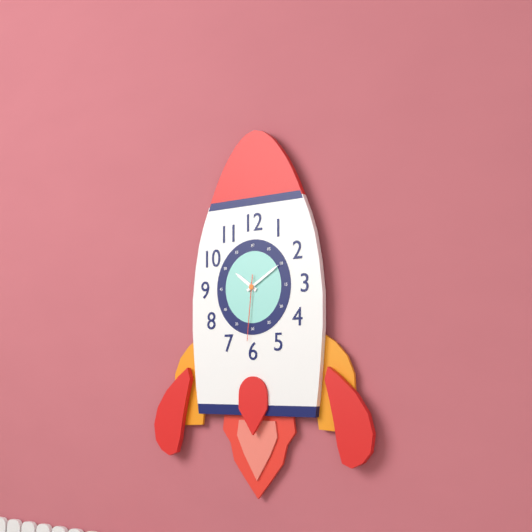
10,10,31
